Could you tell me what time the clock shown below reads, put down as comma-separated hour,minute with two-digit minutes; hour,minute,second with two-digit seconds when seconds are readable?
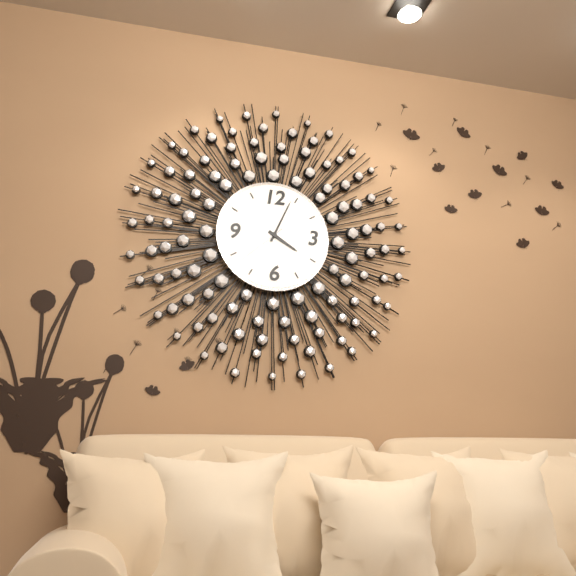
4,04,38
